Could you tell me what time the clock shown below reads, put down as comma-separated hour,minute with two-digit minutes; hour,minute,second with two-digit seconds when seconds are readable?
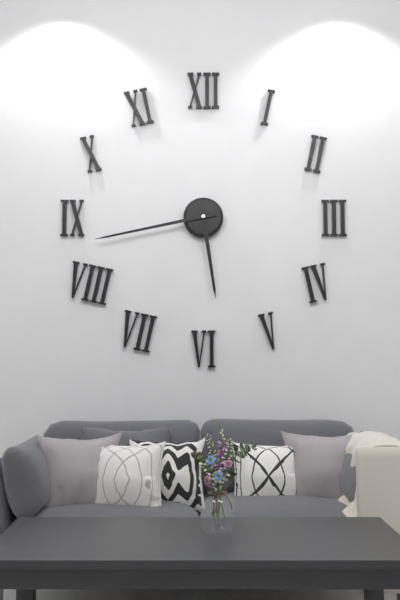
5,43
